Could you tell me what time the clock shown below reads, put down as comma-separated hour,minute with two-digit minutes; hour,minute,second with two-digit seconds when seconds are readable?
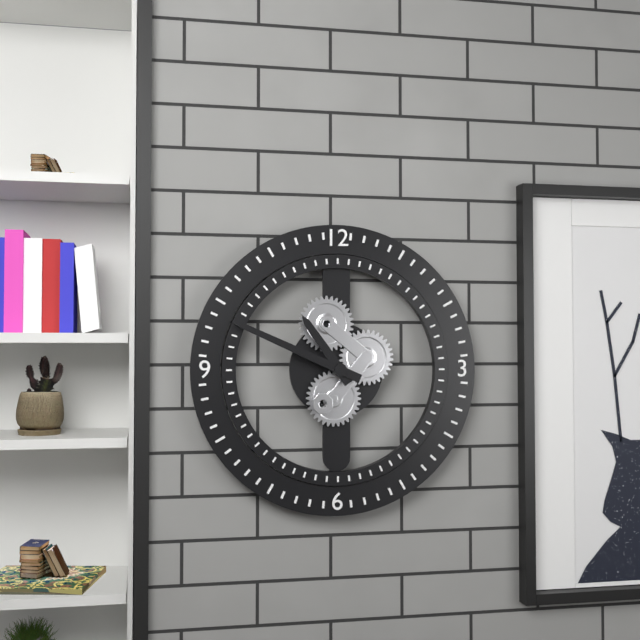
10,49
